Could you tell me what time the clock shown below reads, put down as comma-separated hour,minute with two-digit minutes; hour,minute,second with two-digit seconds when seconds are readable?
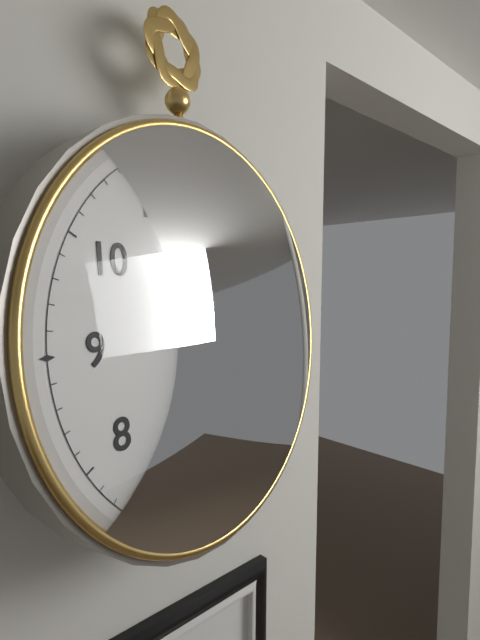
2,08
